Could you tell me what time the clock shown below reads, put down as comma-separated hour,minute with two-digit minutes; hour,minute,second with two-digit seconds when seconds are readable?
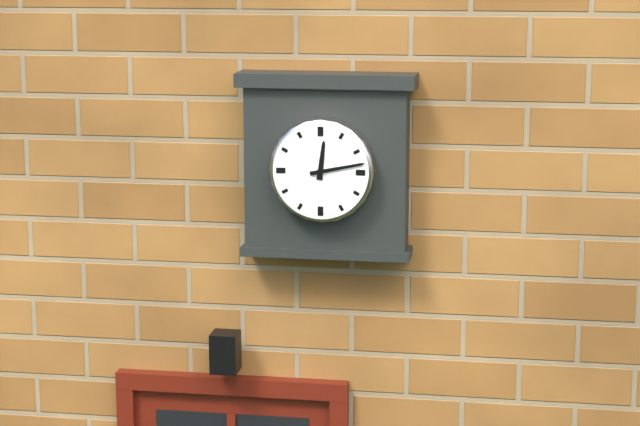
12,13
